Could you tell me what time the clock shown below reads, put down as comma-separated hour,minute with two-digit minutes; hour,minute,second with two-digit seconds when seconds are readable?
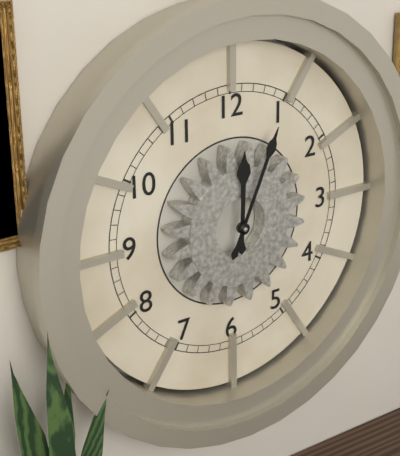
12,04
